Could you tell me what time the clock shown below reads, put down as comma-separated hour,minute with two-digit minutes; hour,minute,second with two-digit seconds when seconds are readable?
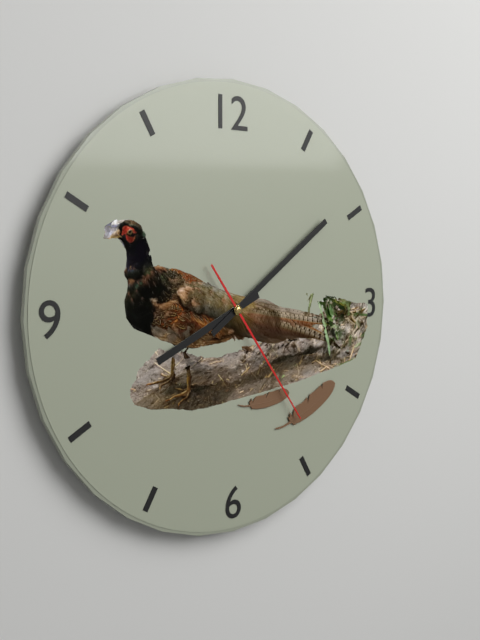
8,09,24
